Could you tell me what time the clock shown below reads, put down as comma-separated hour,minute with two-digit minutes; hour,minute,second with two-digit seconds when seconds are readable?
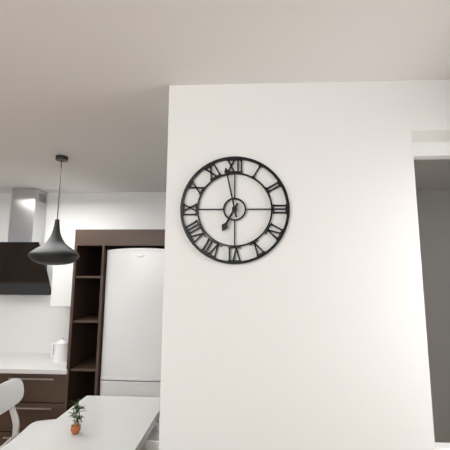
6,58
